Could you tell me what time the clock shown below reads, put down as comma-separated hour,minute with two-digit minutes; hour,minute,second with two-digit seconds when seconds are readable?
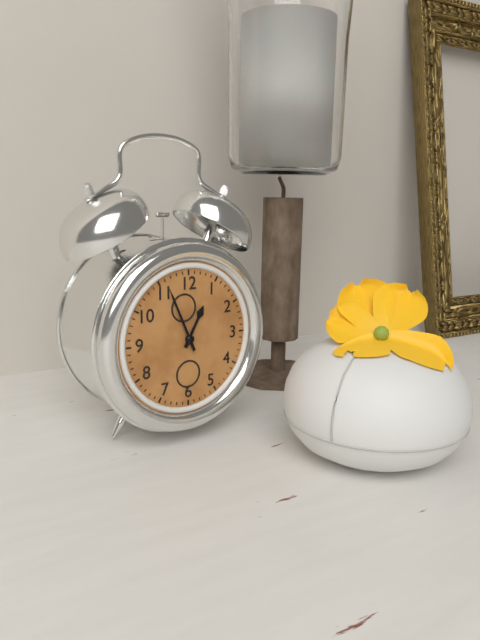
12,56
